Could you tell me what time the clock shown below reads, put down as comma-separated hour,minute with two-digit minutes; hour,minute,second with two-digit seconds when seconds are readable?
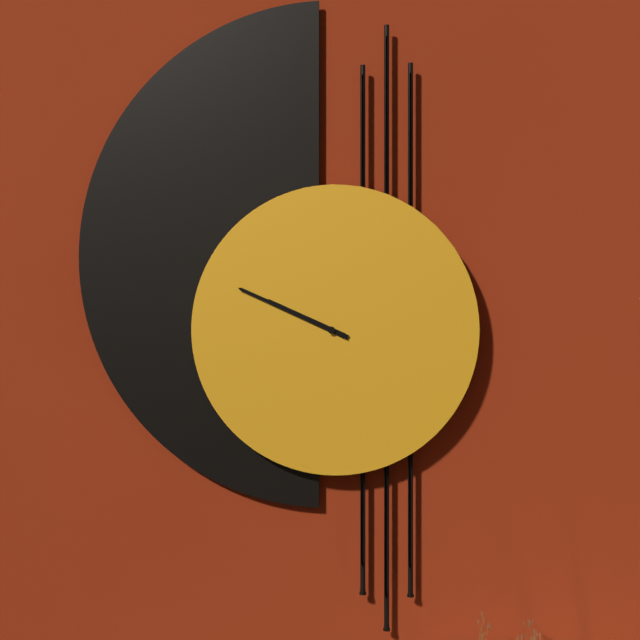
9,49
